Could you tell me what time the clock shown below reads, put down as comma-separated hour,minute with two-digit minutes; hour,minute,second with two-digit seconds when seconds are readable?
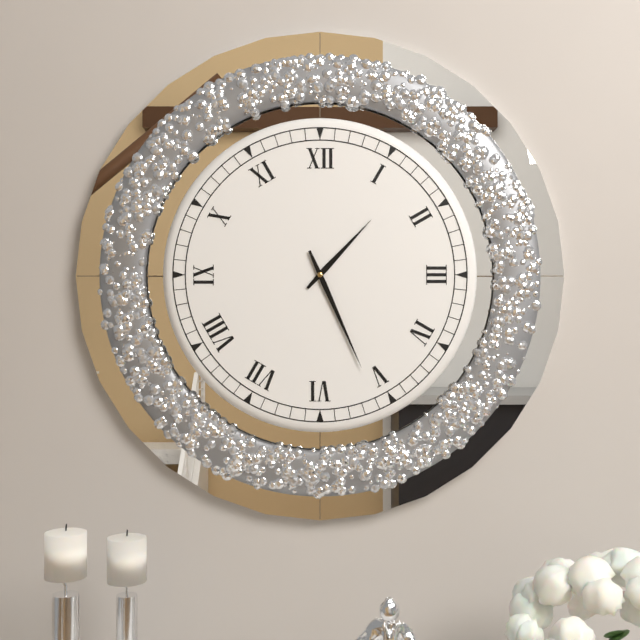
1,26
